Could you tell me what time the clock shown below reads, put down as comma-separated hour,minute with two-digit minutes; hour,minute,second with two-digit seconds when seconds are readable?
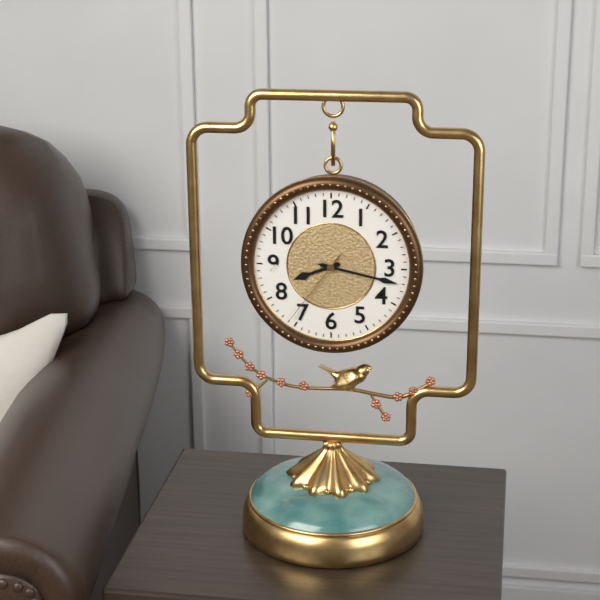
8,17,36
